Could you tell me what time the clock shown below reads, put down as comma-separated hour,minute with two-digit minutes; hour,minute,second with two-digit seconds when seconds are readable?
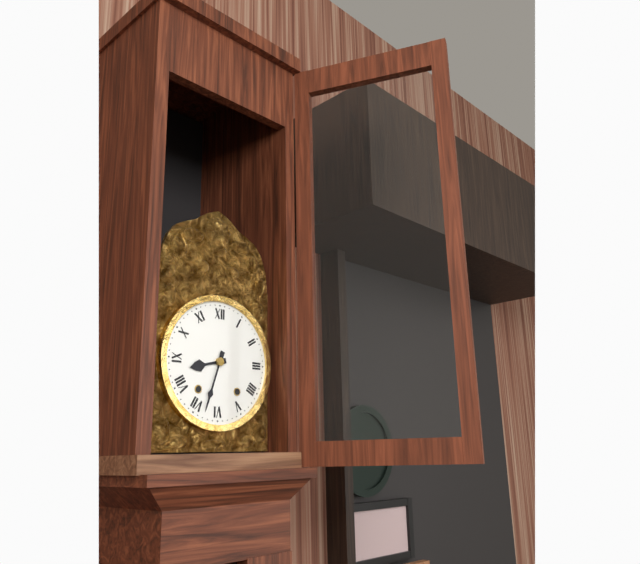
8,33
